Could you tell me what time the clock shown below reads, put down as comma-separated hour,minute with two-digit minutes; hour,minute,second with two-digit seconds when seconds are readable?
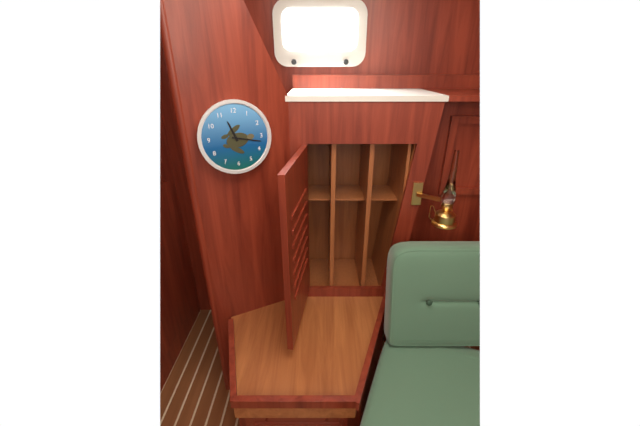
11,17
